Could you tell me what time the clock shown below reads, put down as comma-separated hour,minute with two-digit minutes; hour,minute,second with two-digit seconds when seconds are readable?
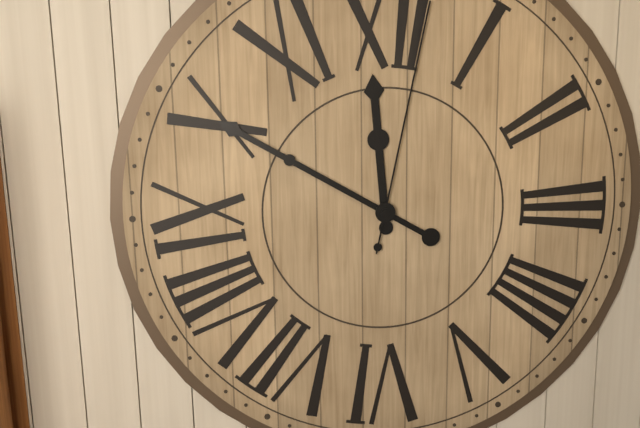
11,50,02
